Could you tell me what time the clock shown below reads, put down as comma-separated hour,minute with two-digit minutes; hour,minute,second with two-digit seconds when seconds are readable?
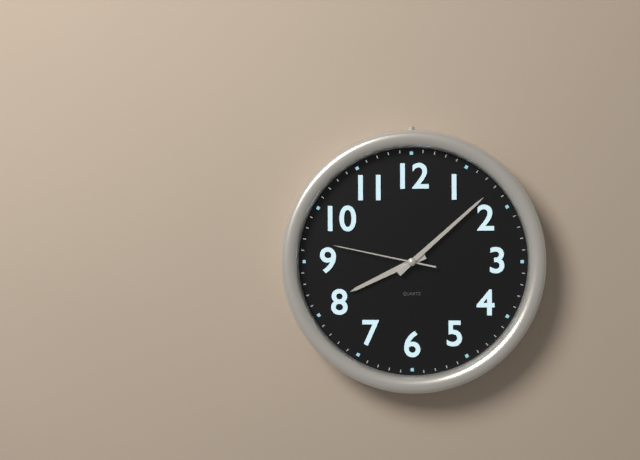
8,08,47
